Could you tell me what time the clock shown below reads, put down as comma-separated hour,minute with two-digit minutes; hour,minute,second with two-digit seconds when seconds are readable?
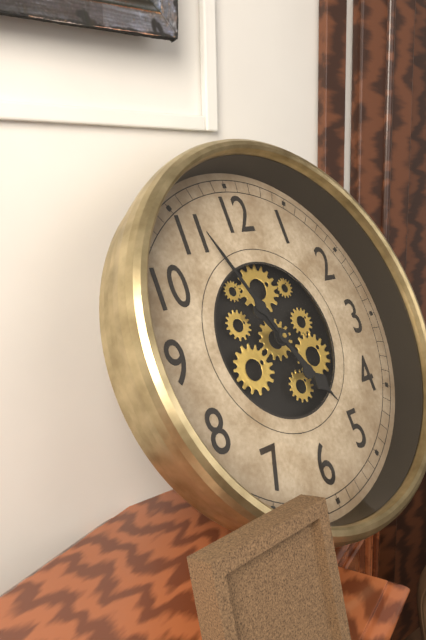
4,56
